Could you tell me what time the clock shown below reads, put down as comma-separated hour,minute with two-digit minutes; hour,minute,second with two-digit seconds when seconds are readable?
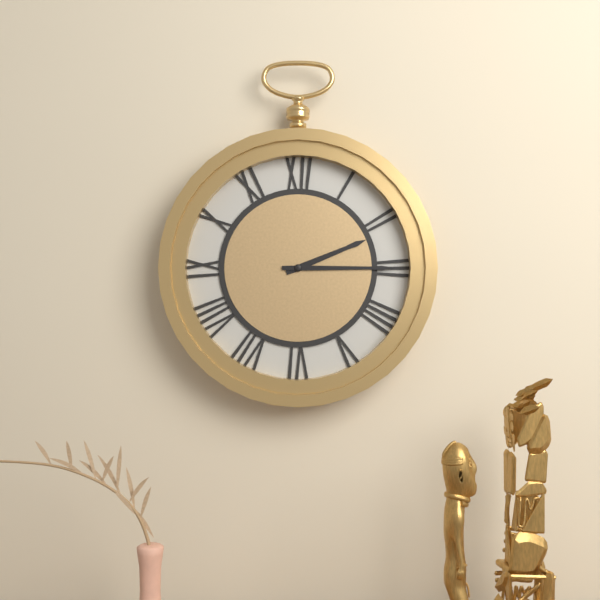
2,15
